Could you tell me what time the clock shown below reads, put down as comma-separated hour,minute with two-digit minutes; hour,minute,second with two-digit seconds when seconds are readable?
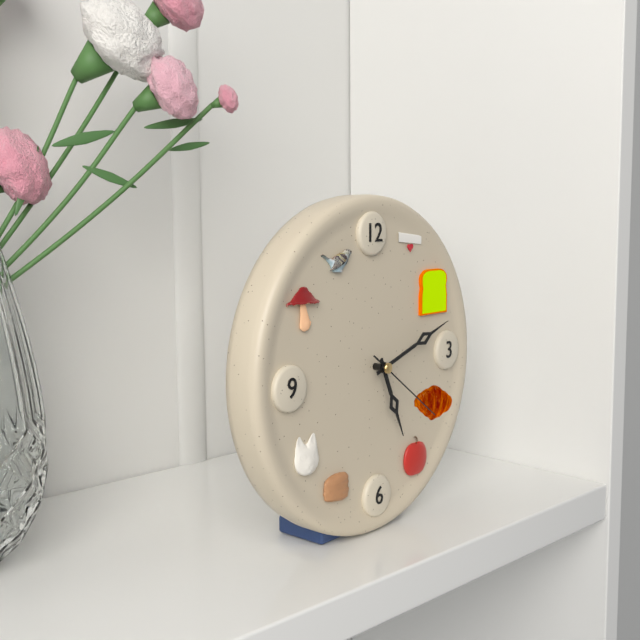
5,12,21
